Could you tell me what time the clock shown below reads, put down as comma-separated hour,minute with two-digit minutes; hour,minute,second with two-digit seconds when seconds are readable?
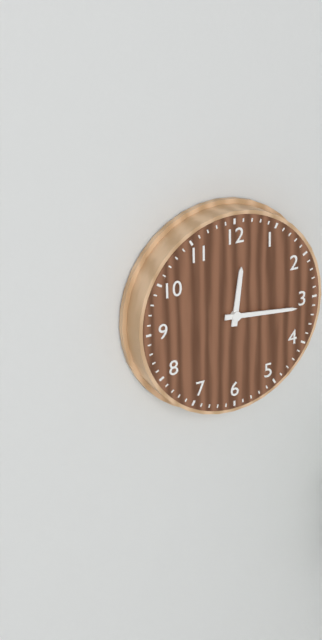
12,16
